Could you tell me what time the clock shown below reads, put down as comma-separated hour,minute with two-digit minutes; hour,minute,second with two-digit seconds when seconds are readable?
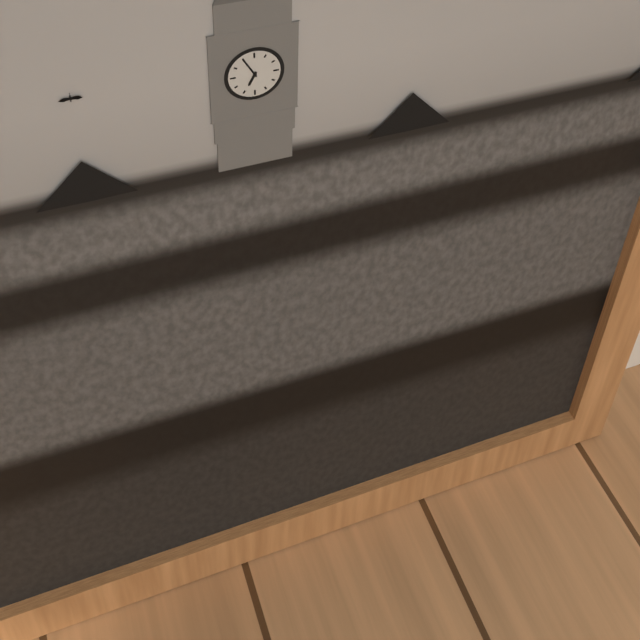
6,55
